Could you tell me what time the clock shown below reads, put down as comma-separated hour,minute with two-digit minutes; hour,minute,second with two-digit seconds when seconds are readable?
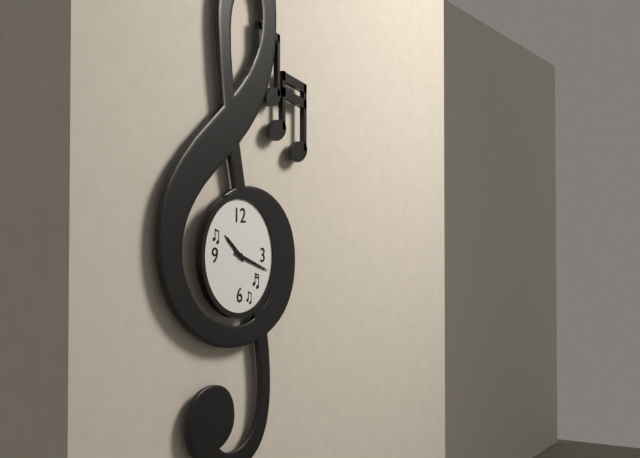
10,18
